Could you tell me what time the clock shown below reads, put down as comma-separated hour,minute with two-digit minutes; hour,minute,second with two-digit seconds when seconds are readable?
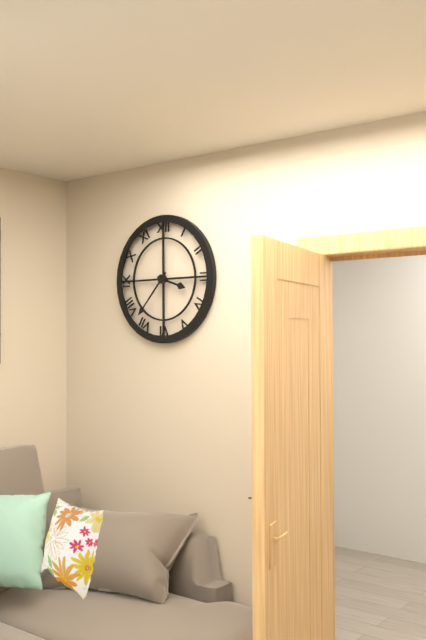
3,37
